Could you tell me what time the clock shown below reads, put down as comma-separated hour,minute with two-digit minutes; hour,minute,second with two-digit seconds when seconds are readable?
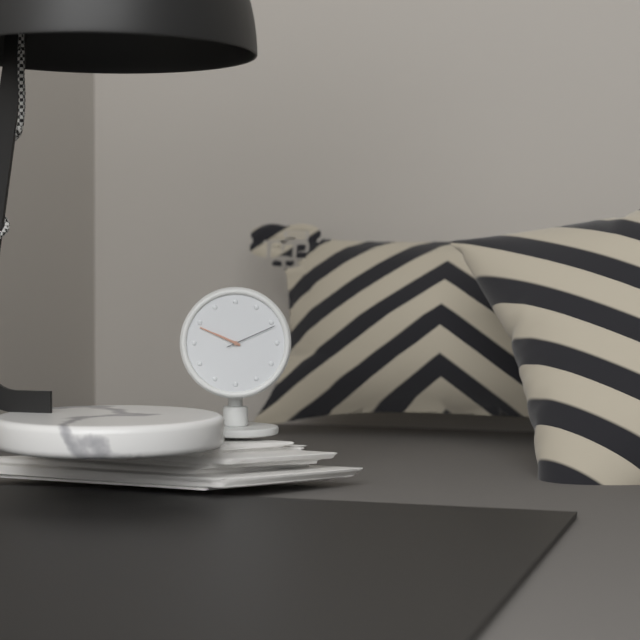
9,49,11
